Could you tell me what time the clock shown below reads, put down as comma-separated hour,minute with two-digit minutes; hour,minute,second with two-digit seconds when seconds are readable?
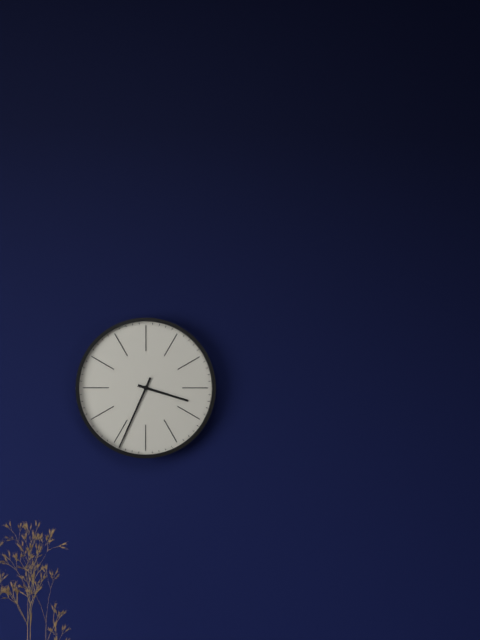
3,34
